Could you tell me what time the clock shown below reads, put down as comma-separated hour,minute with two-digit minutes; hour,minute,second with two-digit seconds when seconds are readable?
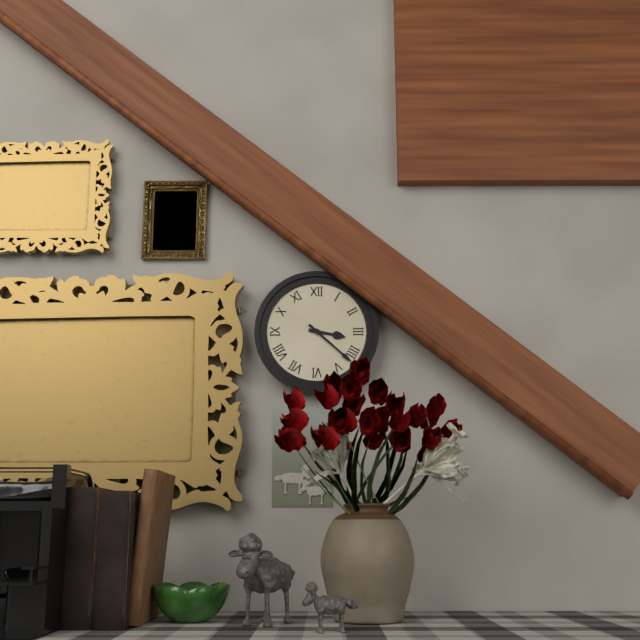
3,22
